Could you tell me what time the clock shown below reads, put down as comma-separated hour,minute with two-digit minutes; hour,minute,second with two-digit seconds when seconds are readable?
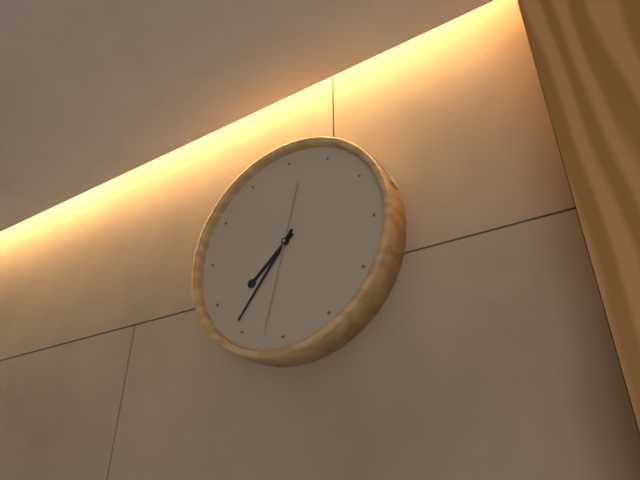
7,36,32
